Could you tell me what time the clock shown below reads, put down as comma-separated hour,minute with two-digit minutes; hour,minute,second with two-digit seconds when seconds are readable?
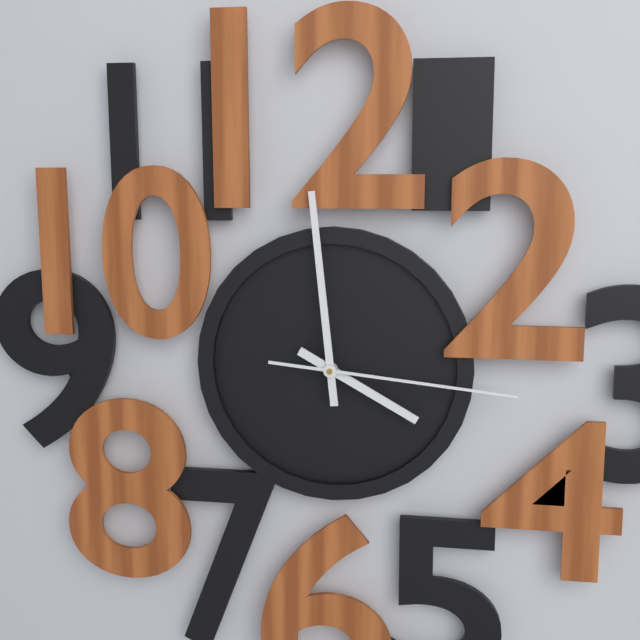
3,59,16
